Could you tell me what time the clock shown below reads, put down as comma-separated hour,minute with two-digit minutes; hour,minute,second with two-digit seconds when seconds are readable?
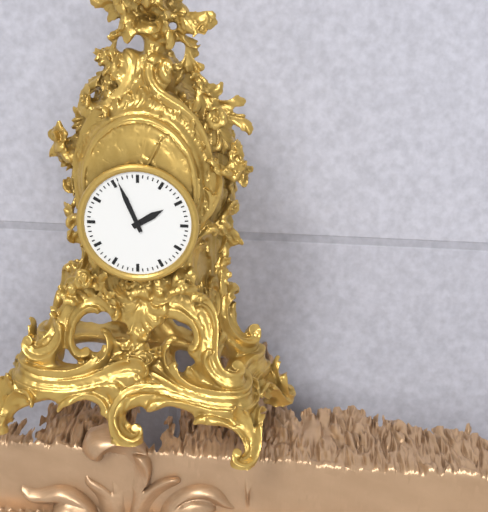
1,56
